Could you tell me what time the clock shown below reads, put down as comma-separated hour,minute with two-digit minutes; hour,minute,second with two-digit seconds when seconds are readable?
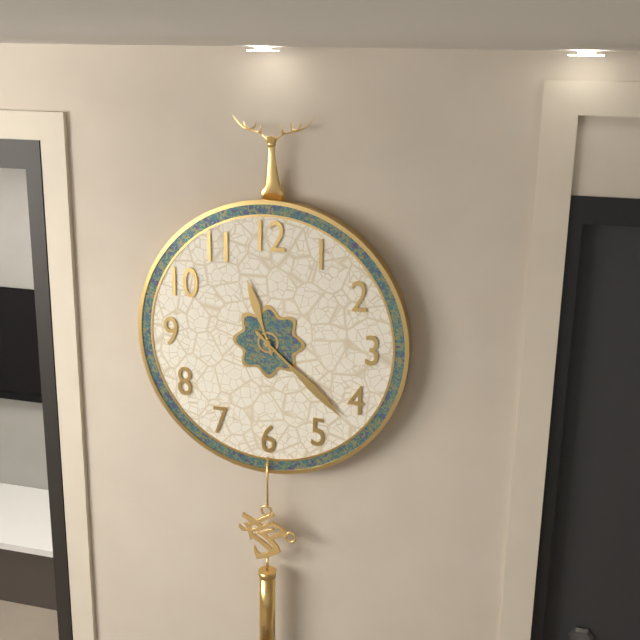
11,22
